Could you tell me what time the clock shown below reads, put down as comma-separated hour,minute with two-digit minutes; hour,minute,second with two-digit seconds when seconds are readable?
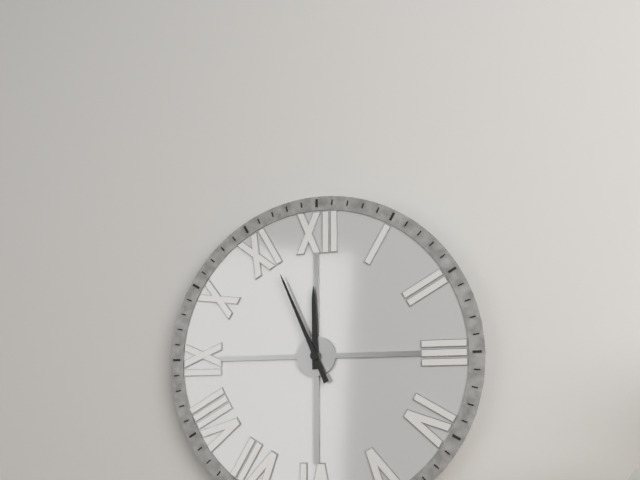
11,56
